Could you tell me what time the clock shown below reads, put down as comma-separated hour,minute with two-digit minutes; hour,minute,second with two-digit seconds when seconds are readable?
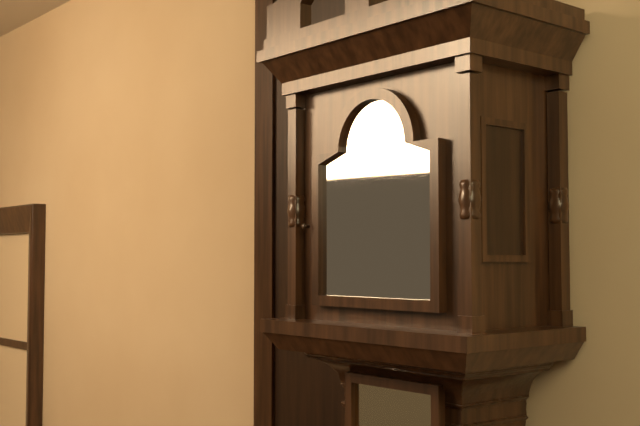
6,10
